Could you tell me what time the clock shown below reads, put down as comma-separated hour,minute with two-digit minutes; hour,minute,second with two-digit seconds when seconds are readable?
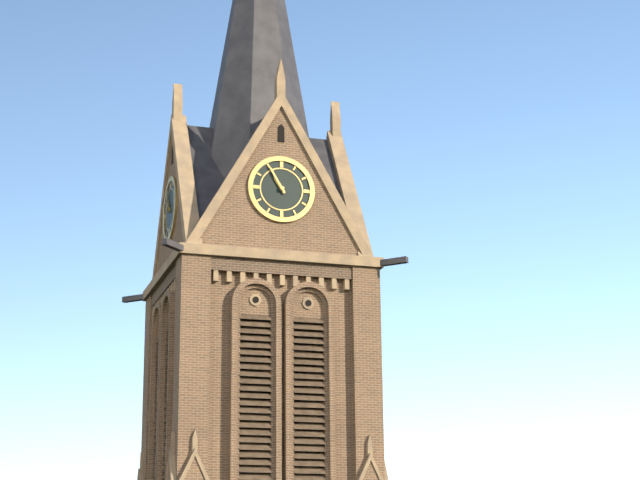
10,55
